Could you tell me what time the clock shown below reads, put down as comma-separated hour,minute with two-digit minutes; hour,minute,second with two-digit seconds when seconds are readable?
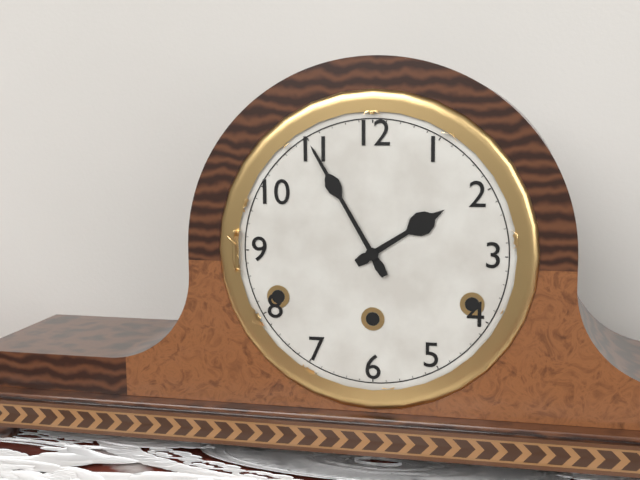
1,55
